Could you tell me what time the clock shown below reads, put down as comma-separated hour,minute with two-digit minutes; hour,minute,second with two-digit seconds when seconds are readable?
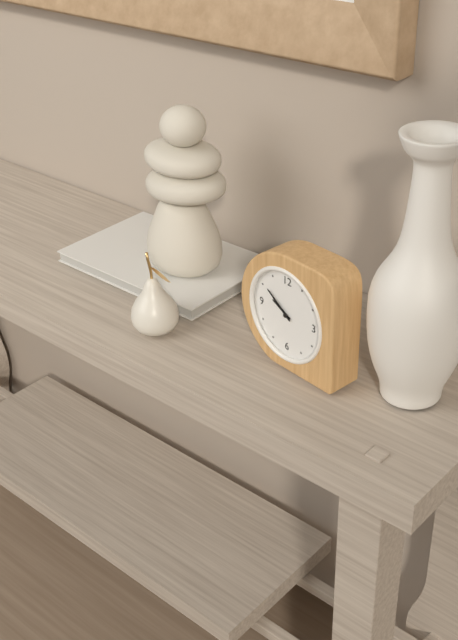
9,51
